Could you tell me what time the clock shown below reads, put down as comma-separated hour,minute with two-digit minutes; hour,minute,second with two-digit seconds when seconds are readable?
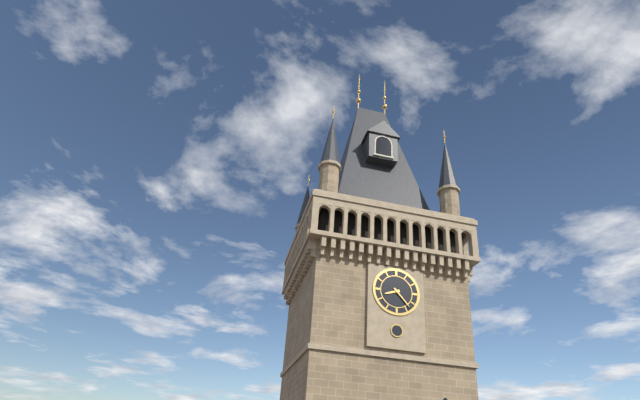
8,23
